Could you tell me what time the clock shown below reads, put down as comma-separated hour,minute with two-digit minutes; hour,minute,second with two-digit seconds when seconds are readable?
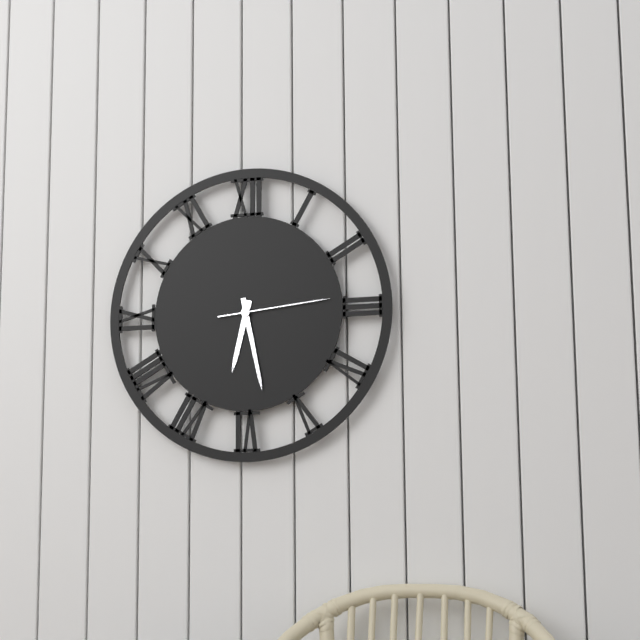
6,28,14
